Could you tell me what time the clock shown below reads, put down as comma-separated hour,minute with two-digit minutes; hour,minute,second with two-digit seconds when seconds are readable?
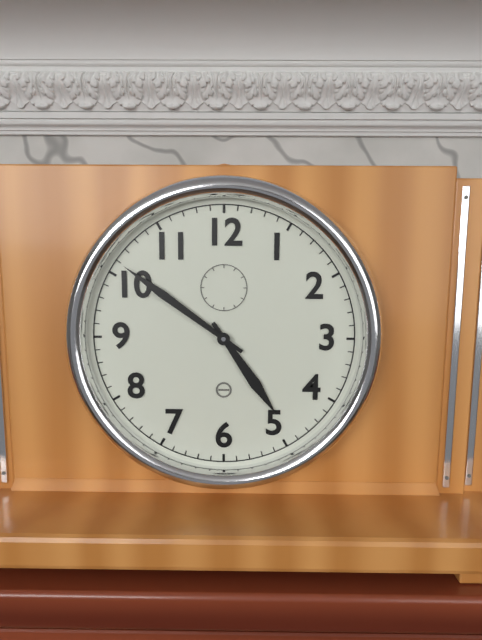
4,51
